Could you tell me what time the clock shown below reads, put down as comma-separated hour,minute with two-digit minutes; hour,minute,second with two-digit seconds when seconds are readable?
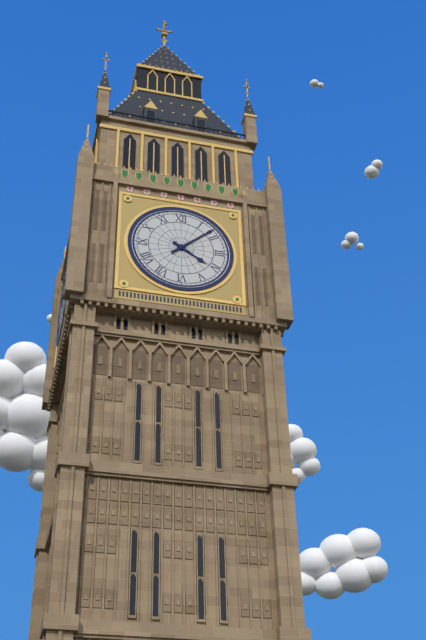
4,08
